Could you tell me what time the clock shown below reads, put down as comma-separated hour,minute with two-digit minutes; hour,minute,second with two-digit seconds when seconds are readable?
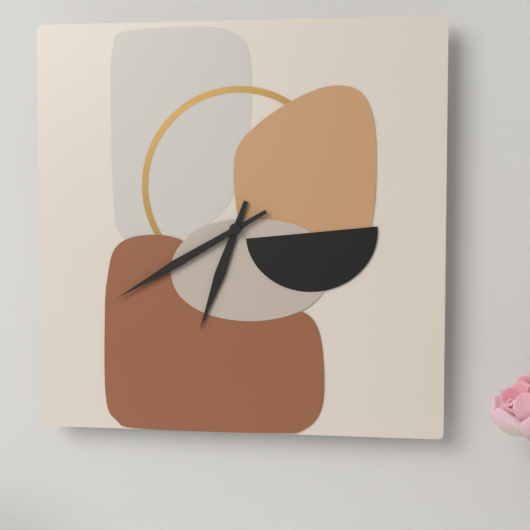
6,40
